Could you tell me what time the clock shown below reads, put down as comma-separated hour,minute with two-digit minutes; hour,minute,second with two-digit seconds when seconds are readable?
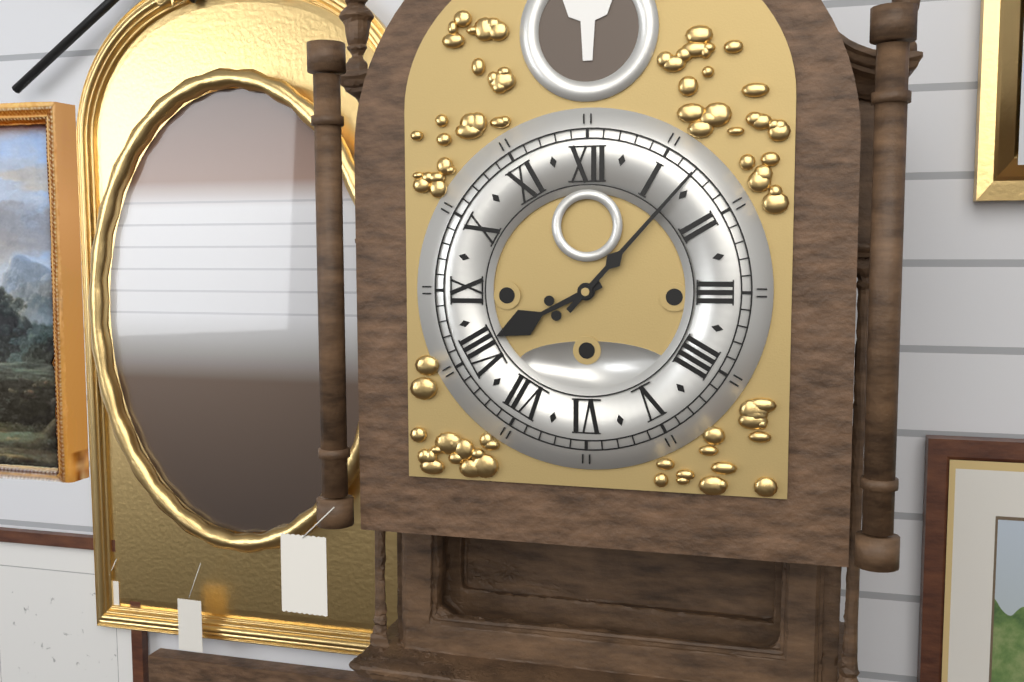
8,07
